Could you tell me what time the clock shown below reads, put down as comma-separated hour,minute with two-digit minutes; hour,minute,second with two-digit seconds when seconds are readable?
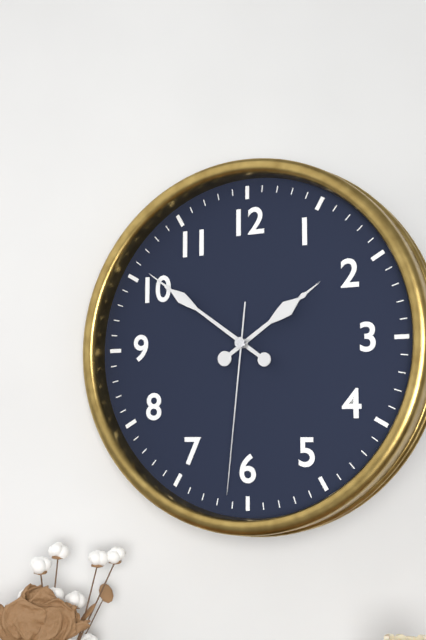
1,51,31
